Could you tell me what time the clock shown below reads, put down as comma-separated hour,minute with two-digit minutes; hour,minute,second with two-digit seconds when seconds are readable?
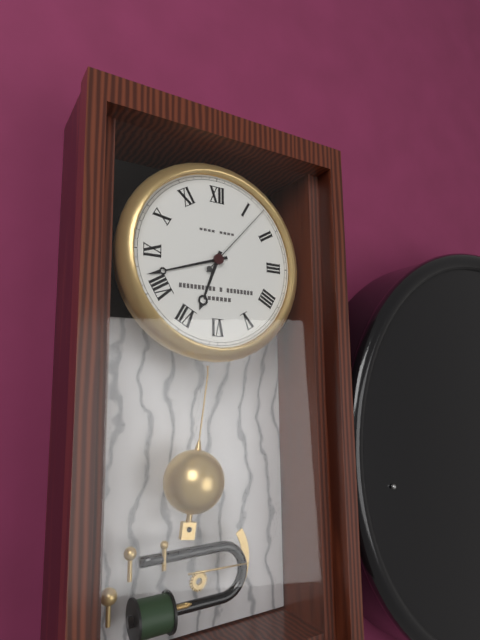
6,42,07
